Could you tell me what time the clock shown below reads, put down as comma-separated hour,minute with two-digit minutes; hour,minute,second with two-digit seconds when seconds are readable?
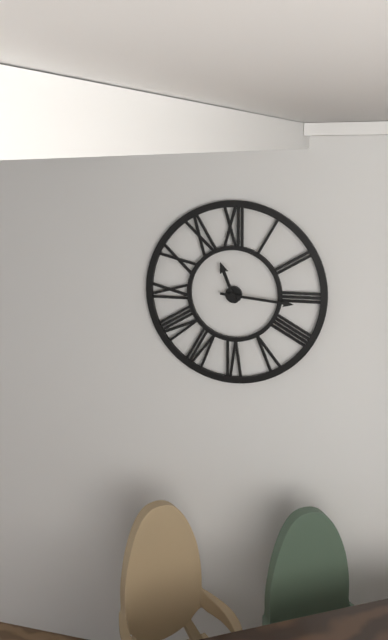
11,16
